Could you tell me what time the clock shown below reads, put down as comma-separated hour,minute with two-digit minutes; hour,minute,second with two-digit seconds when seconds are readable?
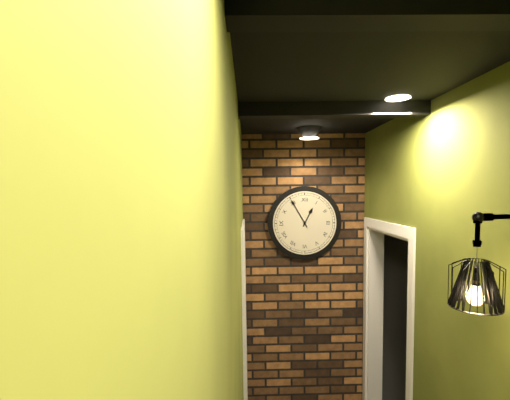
12,55
